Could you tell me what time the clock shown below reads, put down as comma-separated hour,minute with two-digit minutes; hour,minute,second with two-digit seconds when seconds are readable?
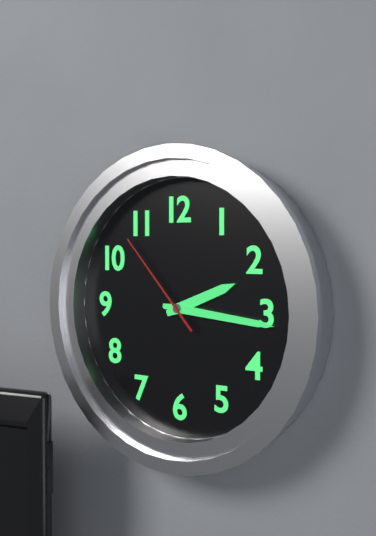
2,16,53
